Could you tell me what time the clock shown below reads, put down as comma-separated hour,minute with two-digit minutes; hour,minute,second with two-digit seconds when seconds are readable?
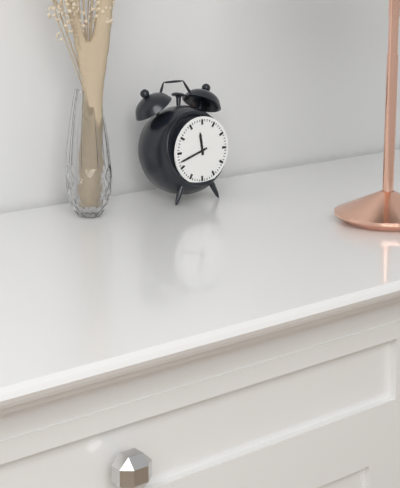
11,42
